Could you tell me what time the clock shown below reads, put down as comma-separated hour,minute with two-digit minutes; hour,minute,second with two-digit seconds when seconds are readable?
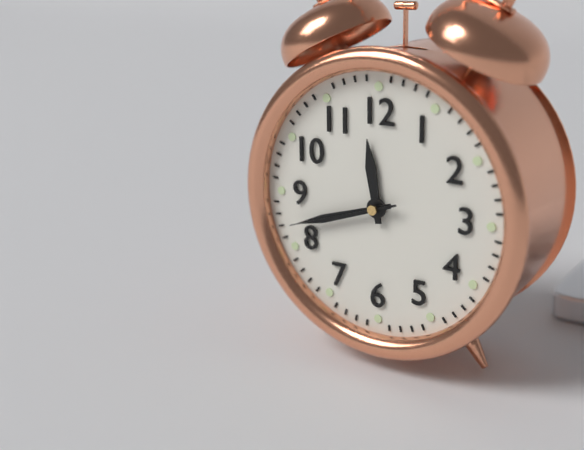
11,42,42
